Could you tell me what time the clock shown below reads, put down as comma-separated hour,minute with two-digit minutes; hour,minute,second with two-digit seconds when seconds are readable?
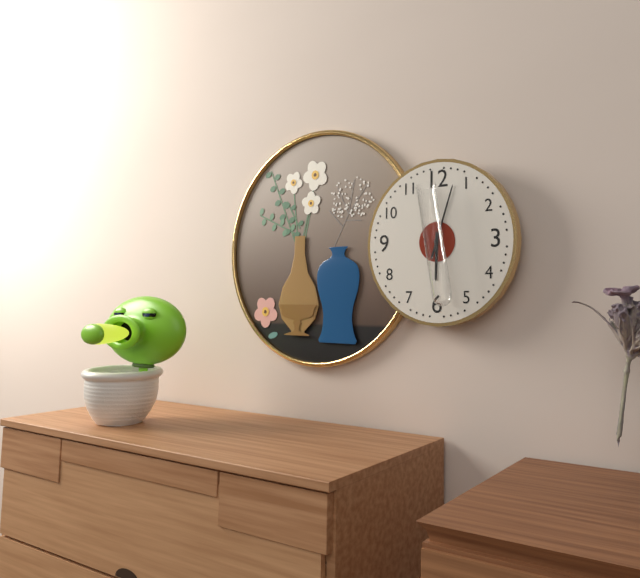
6,03
